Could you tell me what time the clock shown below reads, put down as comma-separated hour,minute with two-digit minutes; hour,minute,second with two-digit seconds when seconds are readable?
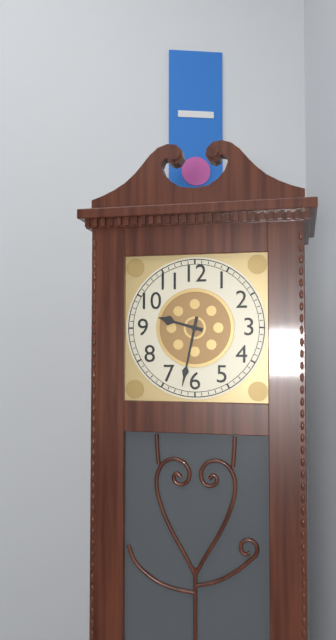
9,32
